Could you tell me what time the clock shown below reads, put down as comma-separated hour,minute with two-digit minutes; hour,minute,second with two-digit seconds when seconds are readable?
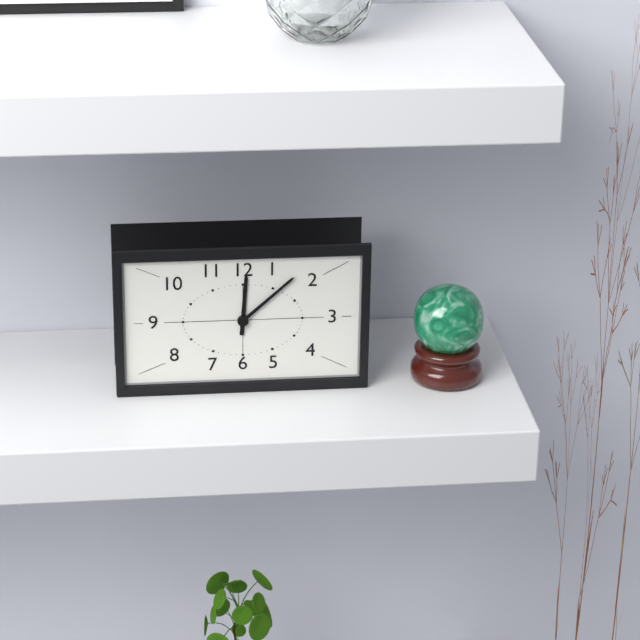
12,08
